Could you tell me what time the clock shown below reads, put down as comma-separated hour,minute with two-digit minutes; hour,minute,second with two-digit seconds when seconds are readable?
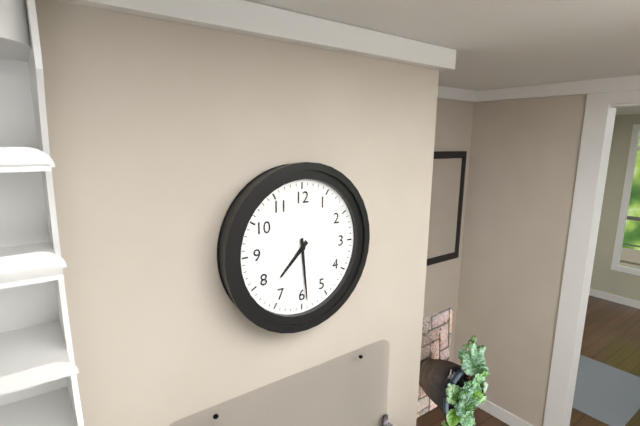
7,29
